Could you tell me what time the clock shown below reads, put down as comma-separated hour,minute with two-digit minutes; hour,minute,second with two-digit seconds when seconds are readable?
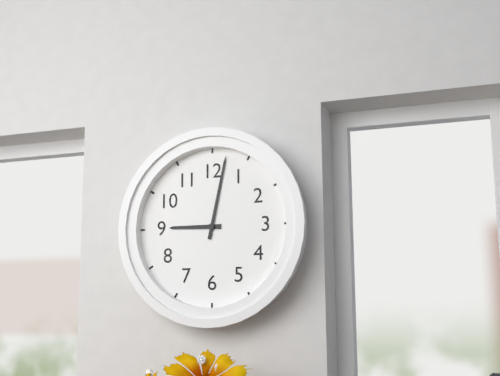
9,02
